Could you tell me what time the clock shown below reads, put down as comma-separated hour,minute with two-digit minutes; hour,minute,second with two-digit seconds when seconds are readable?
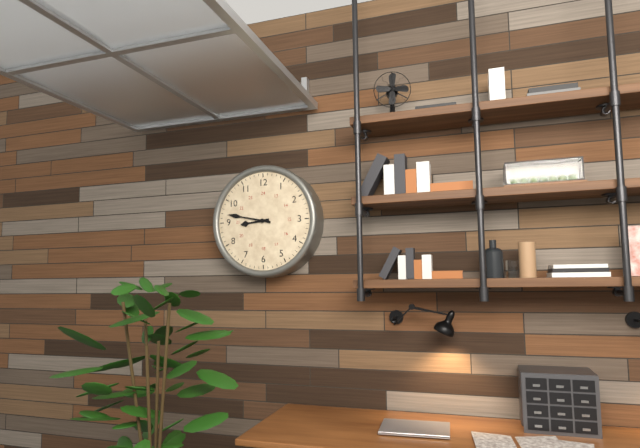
8,47
